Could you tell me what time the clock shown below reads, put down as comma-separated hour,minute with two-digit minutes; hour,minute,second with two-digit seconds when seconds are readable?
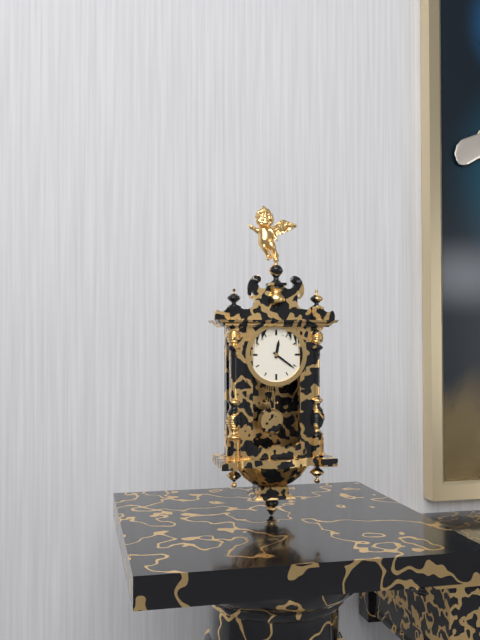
12,21
